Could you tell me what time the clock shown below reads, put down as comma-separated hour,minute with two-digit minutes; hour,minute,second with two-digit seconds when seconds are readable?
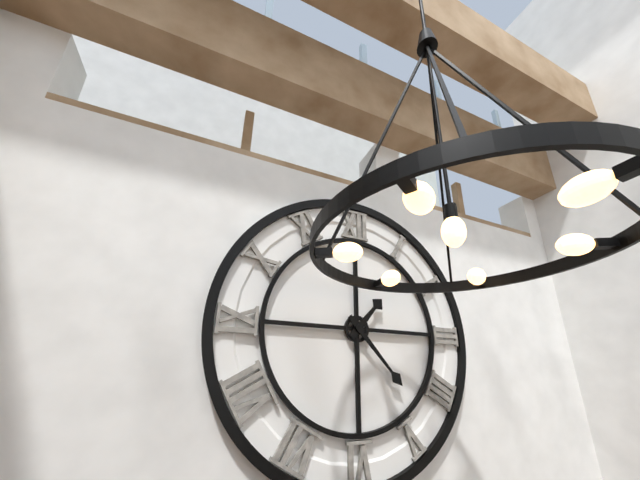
1,23
